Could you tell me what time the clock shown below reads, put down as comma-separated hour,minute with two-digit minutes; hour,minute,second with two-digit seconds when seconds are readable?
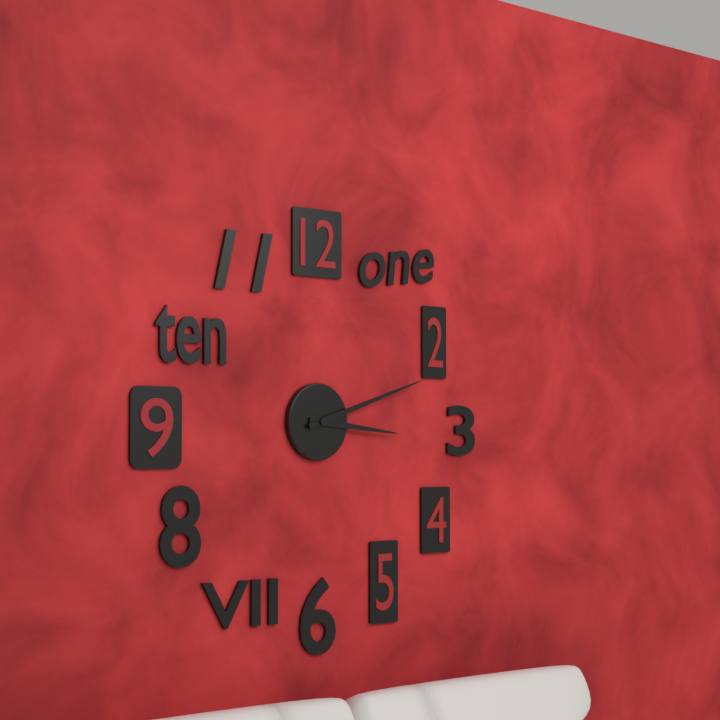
3,12
